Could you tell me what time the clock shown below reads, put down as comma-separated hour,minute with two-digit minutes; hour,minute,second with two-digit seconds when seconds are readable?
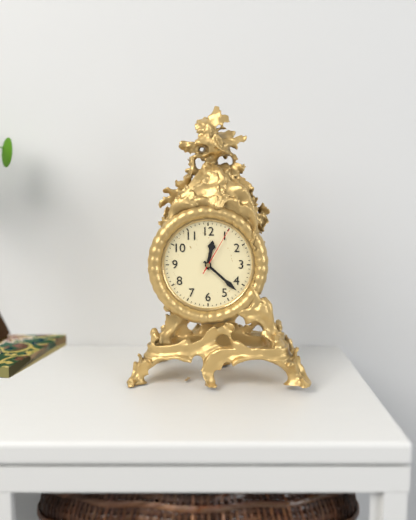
12,22,05
